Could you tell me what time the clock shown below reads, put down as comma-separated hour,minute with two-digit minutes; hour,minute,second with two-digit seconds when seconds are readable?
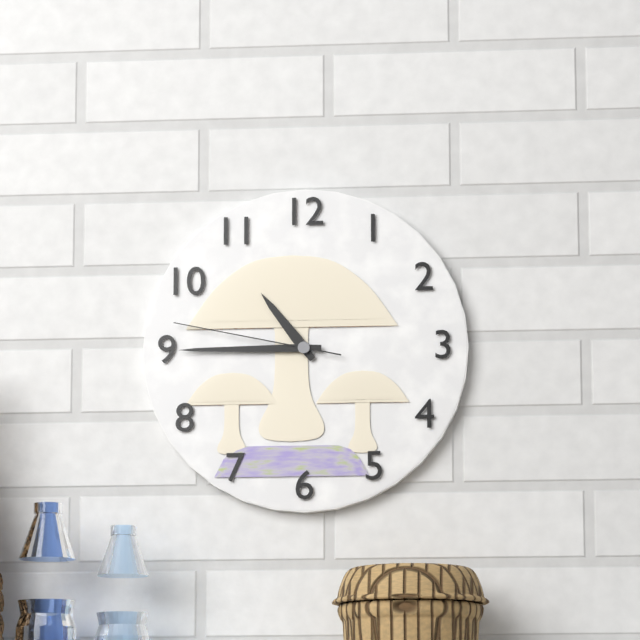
10,45,47
